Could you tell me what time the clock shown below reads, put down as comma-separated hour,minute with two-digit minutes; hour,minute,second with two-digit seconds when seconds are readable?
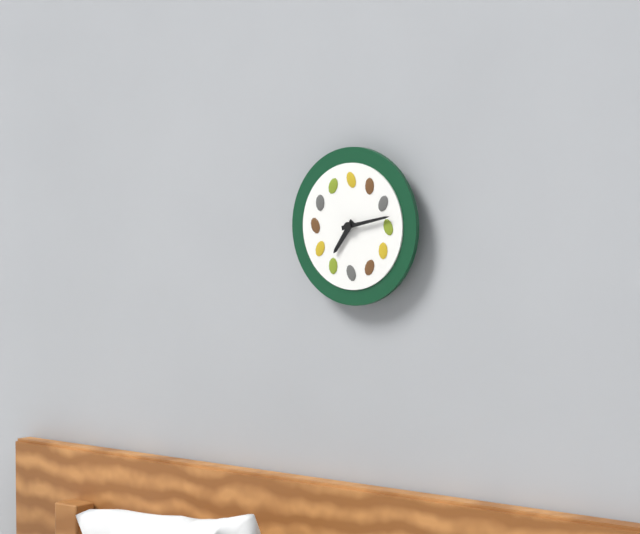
7,13
